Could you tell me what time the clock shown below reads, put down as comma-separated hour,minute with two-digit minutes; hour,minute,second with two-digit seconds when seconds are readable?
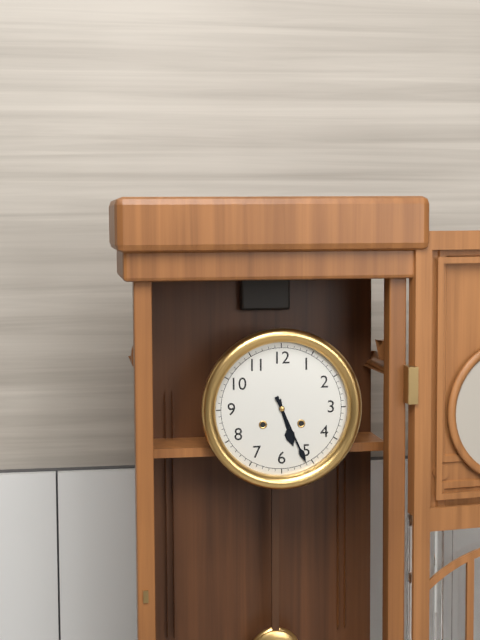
5,26
